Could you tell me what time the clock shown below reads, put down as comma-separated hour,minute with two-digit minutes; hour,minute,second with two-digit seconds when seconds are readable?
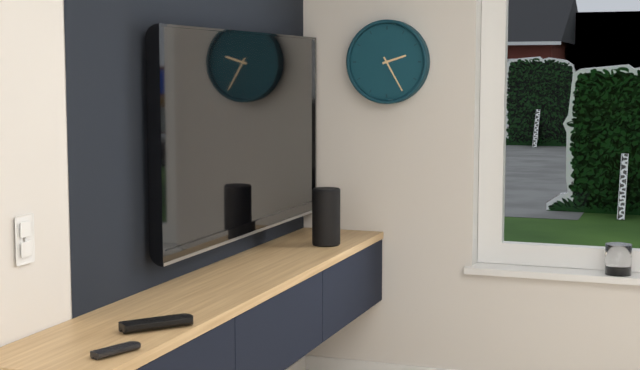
2,25
